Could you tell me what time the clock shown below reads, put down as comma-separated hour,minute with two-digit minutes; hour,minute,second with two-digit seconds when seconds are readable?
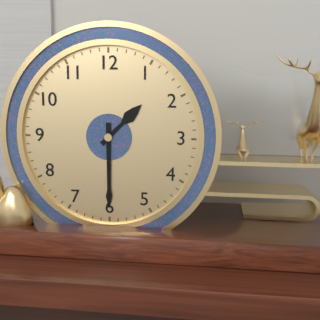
1,30
